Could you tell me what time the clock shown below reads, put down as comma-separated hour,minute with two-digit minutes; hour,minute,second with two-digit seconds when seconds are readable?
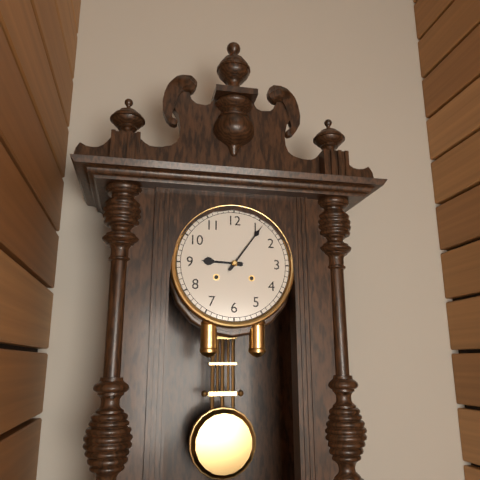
9,06
